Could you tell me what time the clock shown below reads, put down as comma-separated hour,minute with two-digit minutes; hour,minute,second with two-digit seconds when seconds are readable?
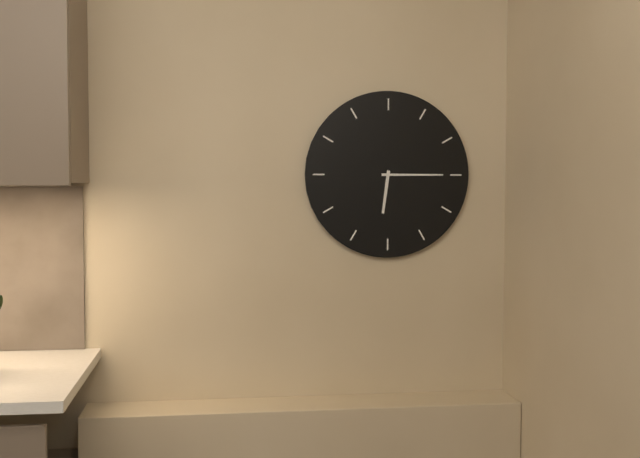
6,15
